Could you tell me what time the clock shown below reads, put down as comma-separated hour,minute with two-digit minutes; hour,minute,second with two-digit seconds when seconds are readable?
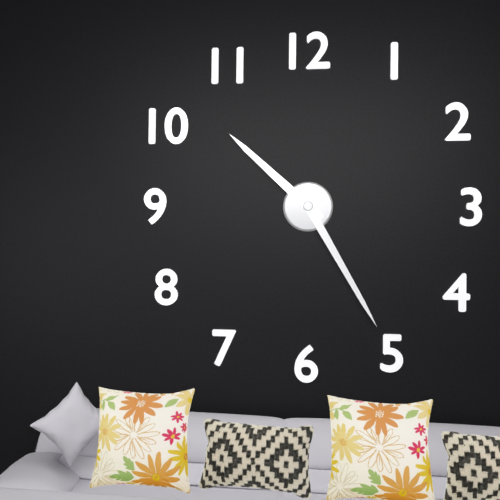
10,25
